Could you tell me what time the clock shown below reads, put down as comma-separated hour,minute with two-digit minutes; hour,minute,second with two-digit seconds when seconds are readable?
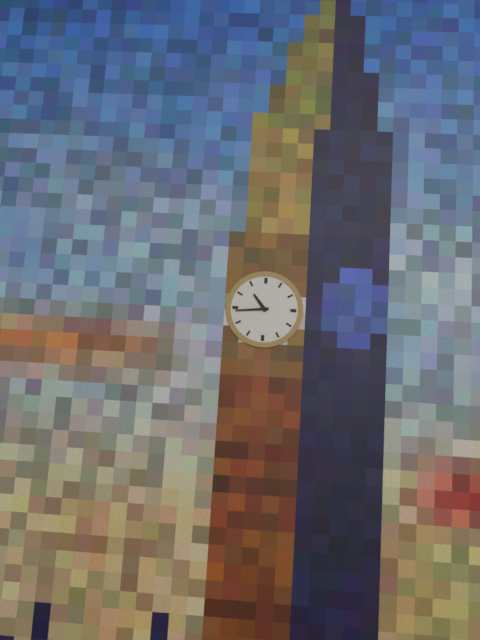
10,44
